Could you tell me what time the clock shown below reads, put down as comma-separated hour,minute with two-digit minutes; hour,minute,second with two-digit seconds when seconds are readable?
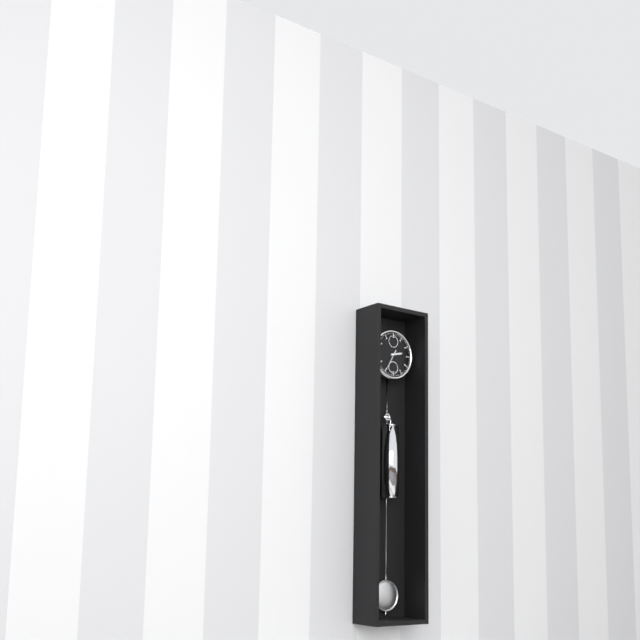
2,35
